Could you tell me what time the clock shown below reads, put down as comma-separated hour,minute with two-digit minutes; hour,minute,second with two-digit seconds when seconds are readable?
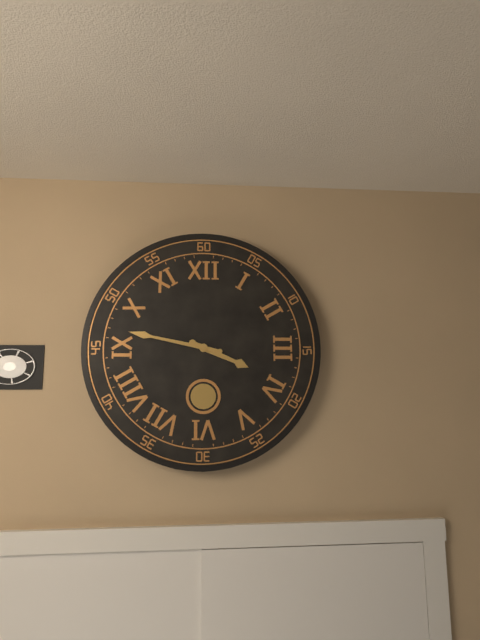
3,47
